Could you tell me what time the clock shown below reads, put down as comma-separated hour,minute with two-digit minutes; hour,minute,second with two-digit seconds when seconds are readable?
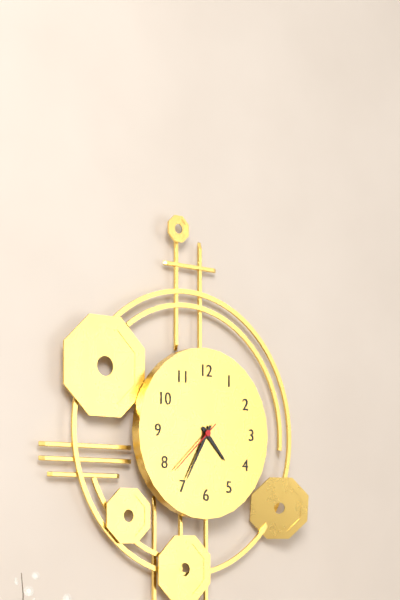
4,35,38
